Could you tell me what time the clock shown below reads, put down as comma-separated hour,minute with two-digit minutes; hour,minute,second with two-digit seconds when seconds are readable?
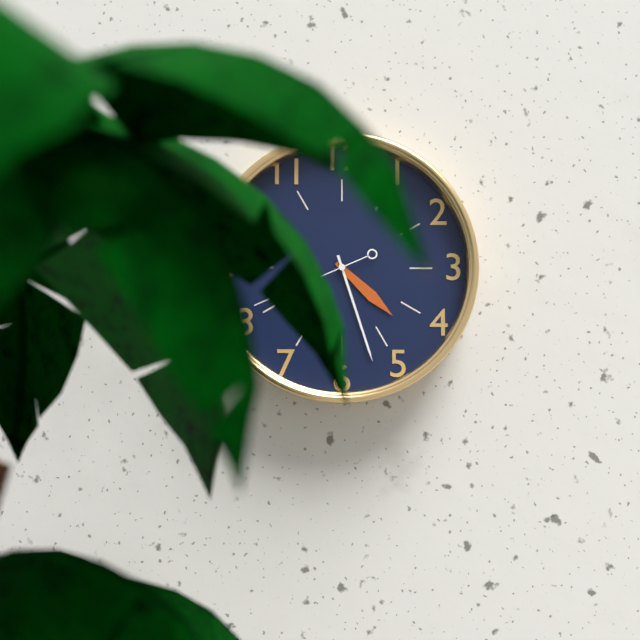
4,27
